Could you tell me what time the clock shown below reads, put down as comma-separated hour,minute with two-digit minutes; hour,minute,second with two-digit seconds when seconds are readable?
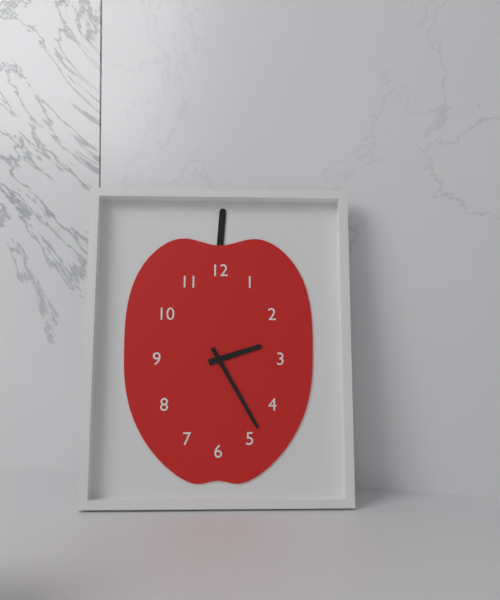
2,25
